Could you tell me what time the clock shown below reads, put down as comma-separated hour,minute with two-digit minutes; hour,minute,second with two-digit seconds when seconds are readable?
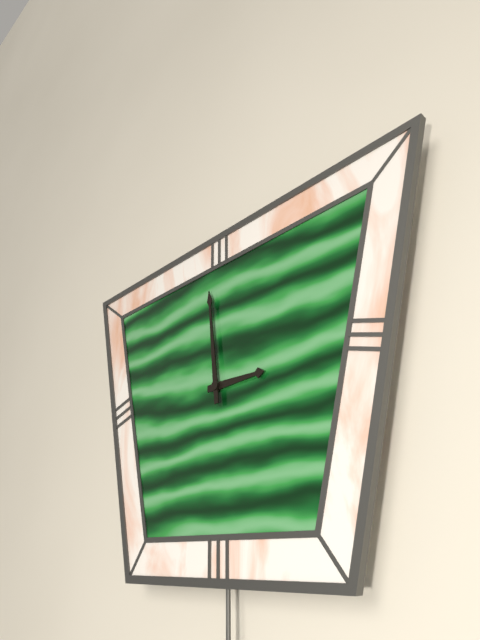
2,59
